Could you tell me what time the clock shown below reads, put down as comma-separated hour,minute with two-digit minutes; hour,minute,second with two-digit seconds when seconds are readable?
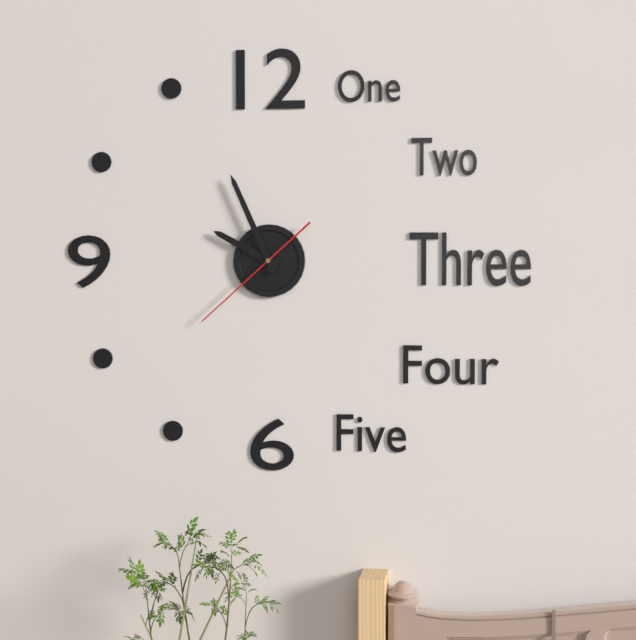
9,56,38
